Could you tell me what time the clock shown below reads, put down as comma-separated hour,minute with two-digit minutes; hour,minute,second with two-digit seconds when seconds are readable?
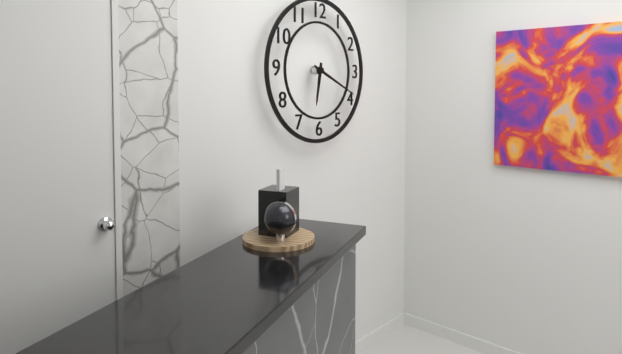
6,19
